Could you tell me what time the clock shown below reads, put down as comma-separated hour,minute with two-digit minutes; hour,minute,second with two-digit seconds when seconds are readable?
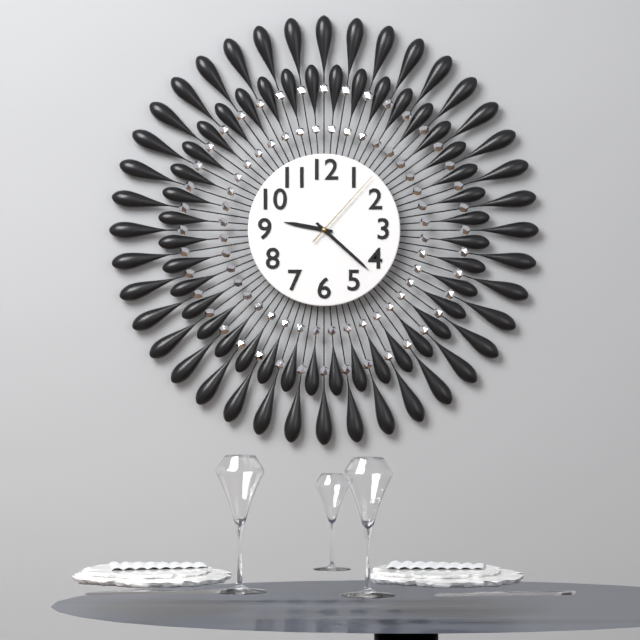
9,22,07
